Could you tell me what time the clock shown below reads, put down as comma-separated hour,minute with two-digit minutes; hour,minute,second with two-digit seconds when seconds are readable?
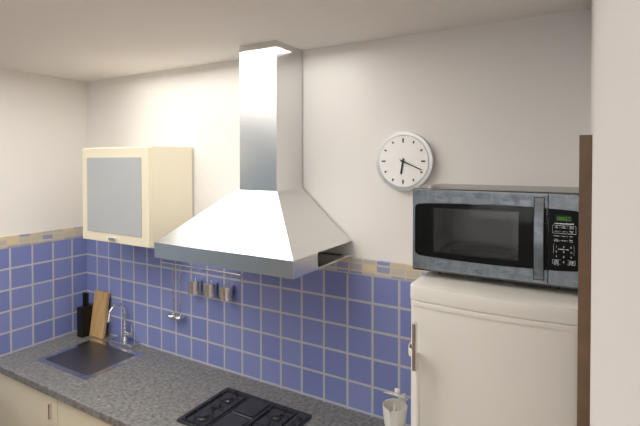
6,19
